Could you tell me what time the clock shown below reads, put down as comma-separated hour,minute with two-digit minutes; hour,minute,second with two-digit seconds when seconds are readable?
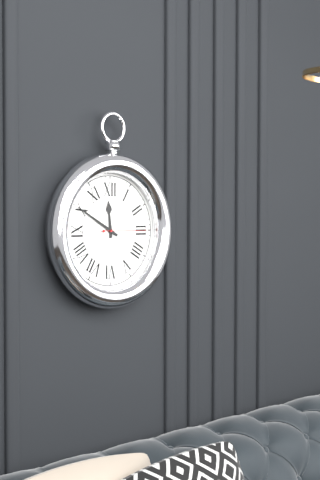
11,50
